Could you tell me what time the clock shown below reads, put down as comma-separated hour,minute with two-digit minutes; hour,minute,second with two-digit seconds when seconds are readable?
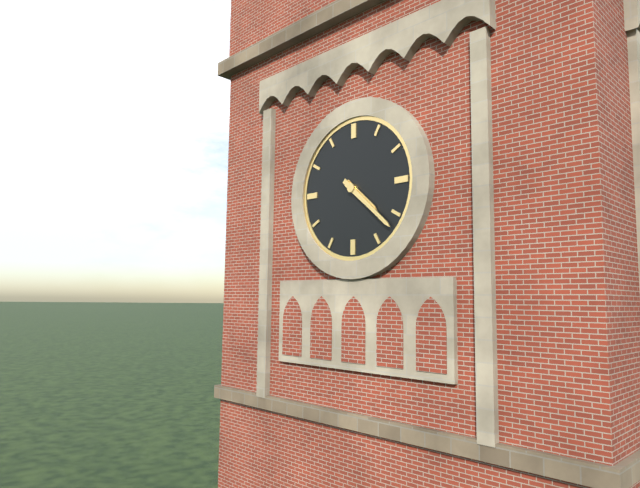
4,22
